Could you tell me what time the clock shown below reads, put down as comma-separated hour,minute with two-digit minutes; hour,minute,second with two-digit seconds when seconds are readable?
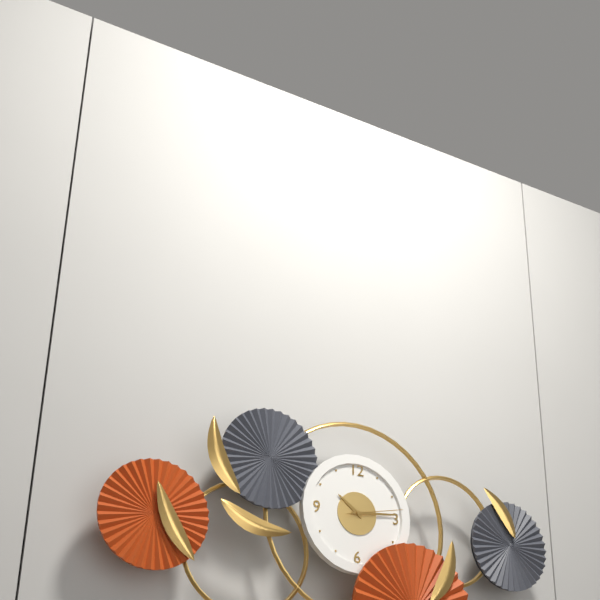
10,14,13
